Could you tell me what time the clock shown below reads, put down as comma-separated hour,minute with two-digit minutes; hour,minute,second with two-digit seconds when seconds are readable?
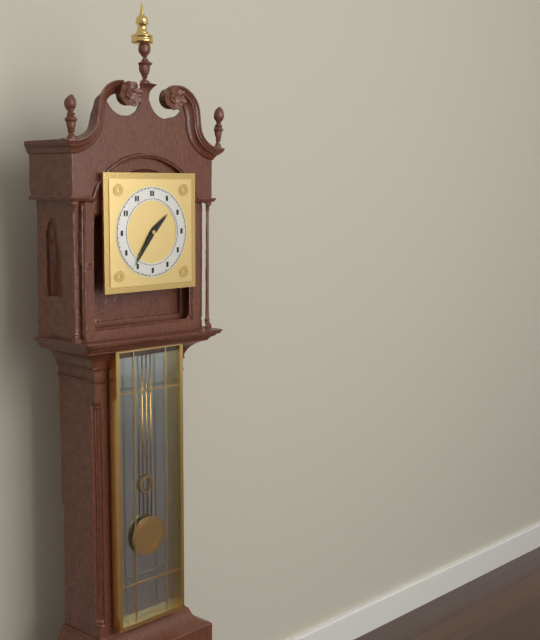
1,36
